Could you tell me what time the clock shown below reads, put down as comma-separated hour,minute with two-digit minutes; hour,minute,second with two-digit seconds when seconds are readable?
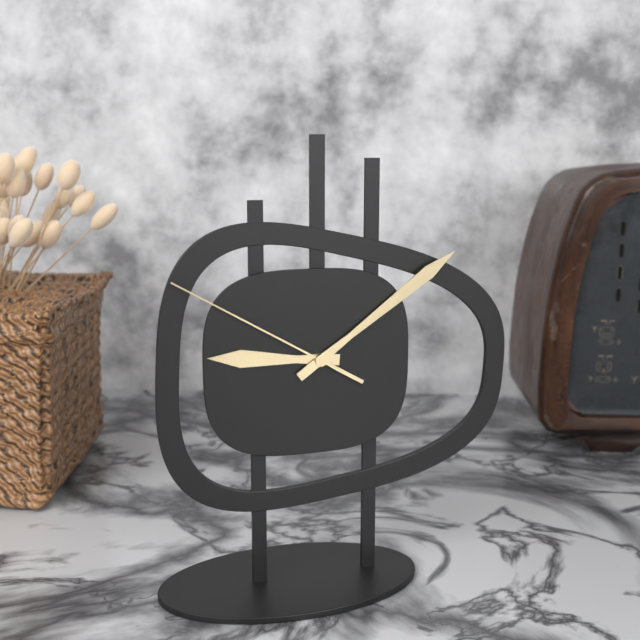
9,09,50
